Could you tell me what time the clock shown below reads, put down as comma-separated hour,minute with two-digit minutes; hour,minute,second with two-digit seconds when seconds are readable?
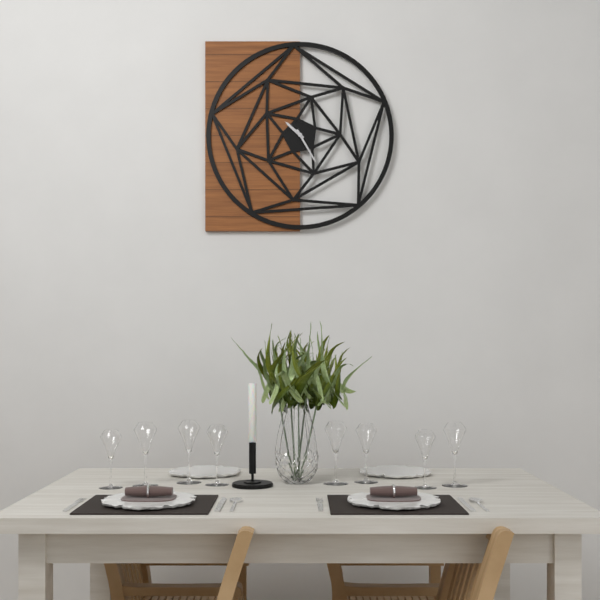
10,25
